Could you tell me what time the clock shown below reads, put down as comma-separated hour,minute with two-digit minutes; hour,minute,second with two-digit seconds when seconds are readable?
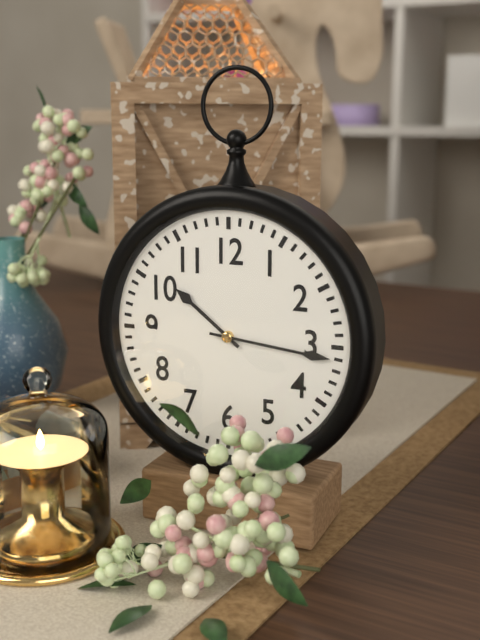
10,16
